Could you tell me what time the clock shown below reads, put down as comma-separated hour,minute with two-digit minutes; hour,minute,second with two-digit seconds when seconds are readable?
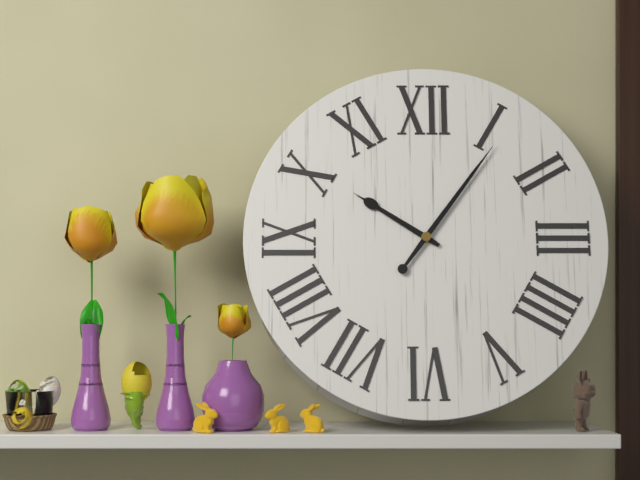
10,06
